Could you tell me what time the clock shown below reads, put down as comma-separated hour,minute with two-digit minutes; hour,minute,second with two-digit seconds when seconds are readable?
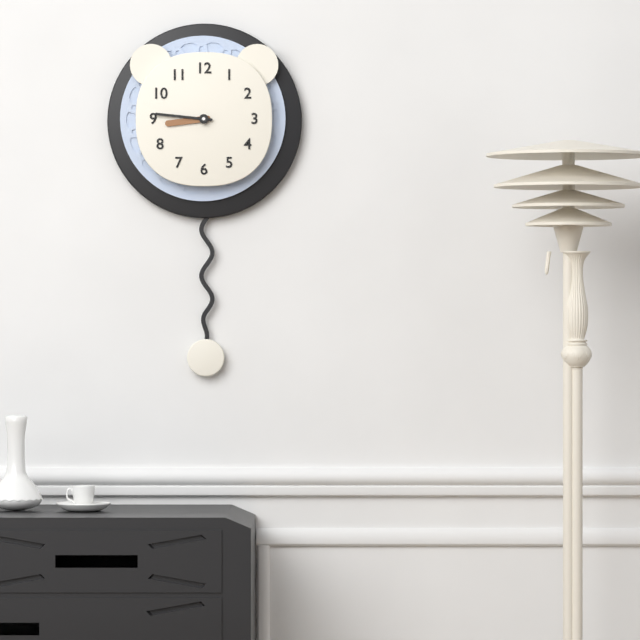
8,46
